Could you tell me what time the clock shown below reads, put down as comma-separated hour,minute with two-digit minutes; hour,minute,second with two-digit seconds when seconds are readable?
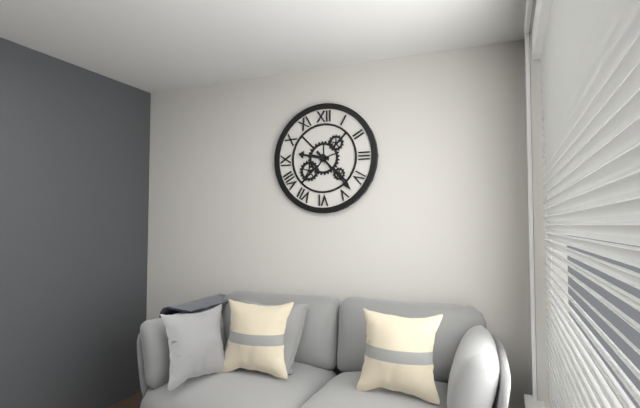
9,23
